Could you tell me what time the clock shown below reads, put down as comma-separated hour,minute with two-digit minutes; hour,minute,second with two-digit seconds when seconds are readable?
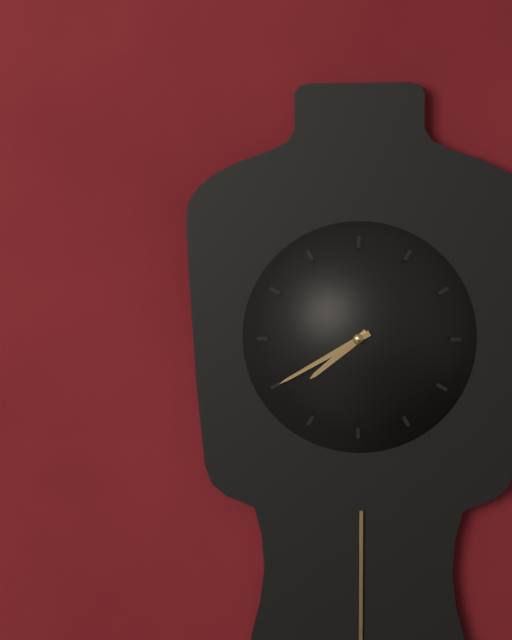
7,40
